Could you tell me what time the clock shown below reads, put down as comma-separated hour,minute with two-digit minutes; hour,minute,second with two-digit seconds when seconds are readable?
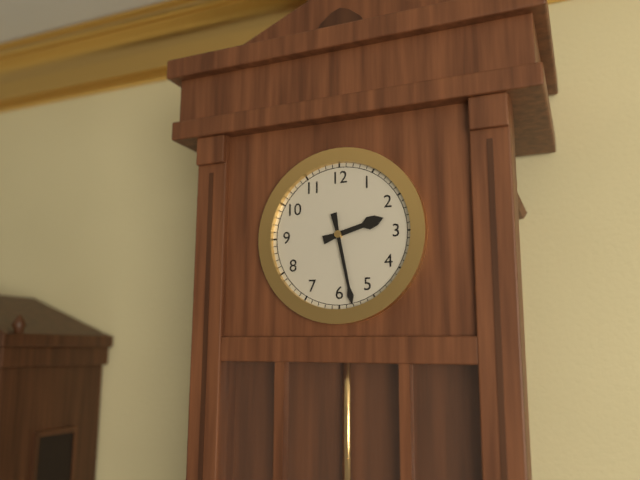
2,28
